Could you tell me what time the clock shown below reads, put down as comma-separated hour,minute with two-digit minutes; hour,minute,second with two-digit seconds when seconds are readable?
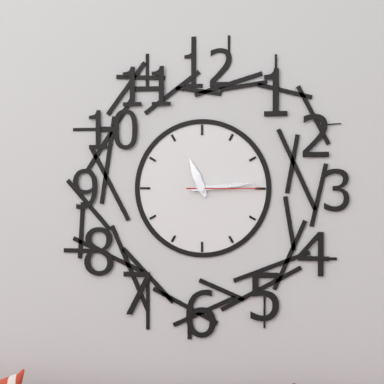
11,14,15
